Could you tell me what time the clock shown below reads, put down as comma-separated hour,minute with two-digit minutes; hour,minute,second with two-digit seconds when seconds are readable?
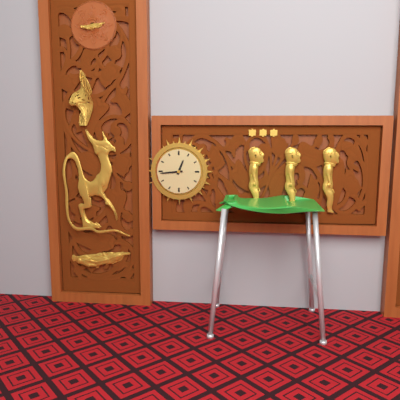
12,44
